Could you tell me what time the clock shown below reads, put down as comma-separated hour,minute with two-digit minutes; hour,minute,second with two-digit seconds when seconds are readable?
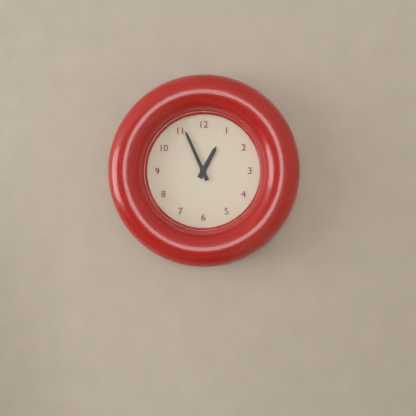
12,56
